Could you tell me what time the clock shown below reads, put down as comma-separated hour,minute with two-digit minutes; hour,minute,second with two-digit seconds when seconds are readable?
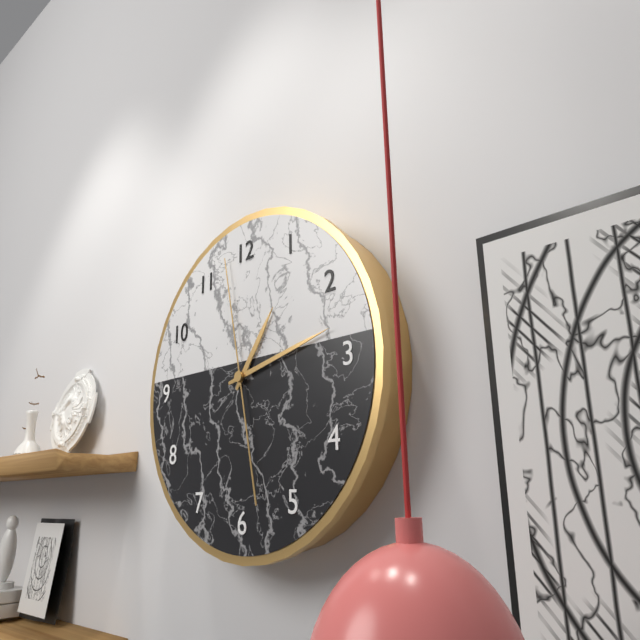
1,13,58
